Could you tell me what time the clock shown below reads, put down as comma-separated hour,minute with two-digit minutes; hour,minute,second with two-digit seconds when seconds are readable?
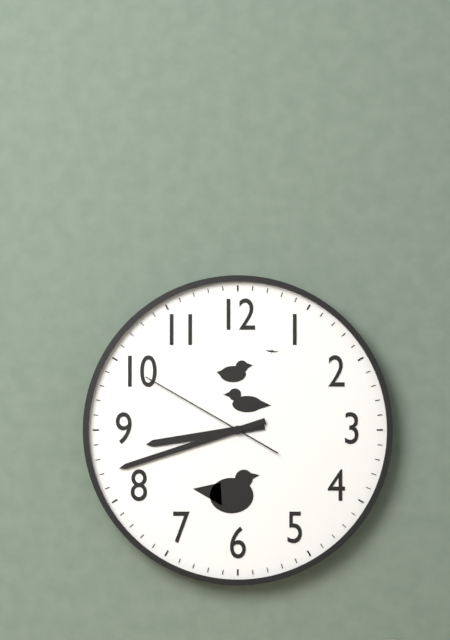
8,42,50
